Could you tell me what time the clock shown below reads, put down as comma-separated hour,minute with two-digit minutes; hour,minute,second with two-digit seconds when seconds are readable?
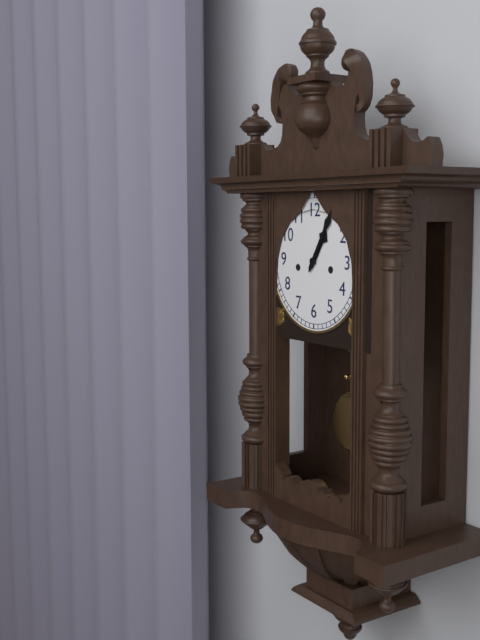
1,05
